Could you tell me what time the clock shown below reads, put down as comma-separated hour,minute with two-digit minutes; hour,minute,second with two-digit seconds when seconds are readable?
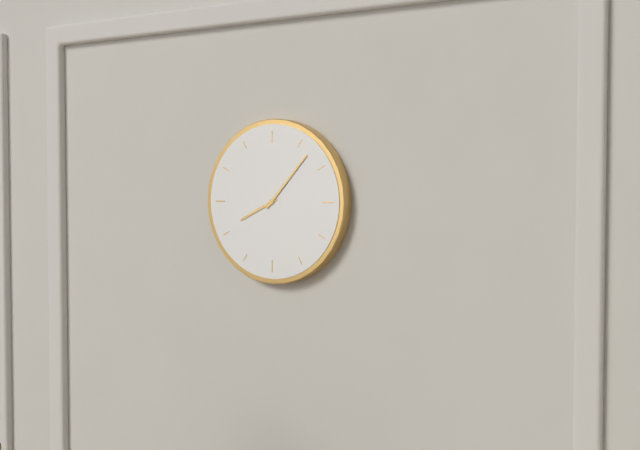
8,07
